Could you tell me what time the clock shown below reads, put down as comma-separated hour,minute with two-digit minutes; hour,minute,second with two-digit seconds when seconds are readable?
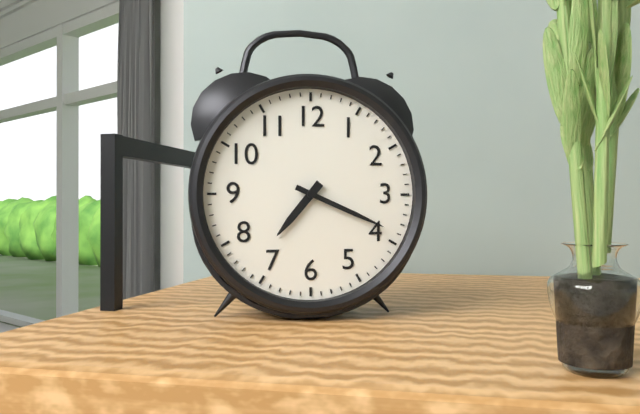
7,19
